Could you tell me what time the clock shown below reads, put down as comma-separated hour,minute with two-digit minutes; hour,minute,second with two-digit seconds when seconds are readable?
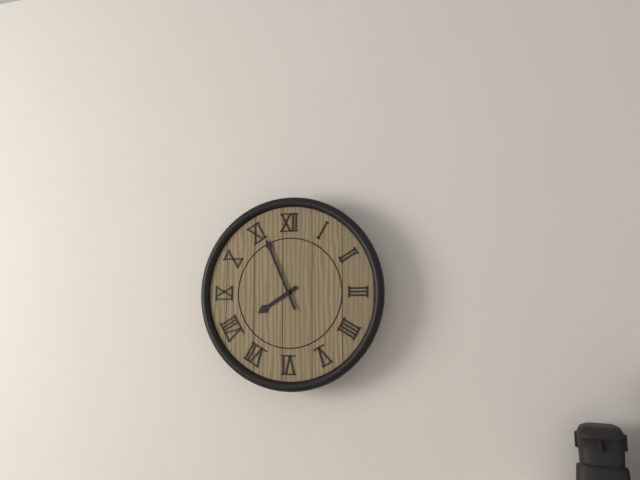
7,56
